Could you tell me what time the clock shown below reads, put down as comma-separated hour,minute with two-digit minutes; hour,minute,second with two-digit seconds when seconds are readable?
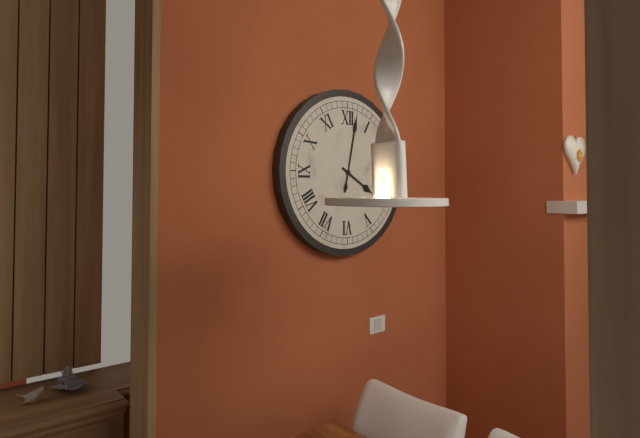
4,02
